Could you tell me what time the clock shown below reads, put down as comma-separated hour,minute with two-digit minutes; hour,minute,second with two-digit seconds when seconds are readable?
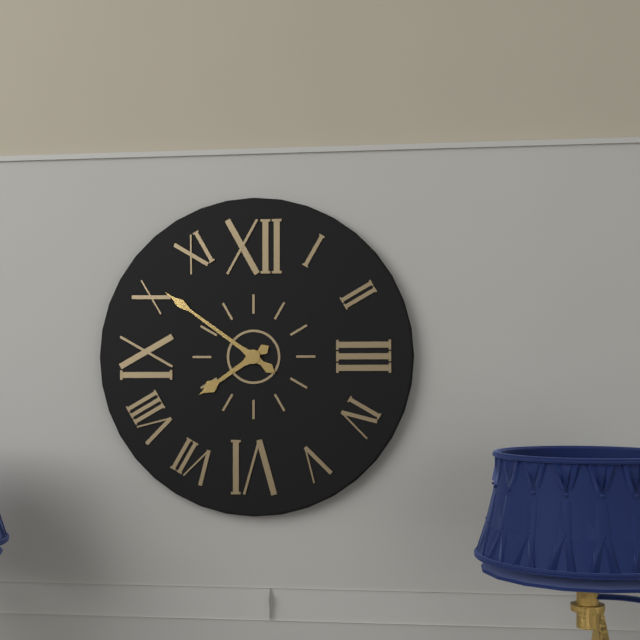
7,51
